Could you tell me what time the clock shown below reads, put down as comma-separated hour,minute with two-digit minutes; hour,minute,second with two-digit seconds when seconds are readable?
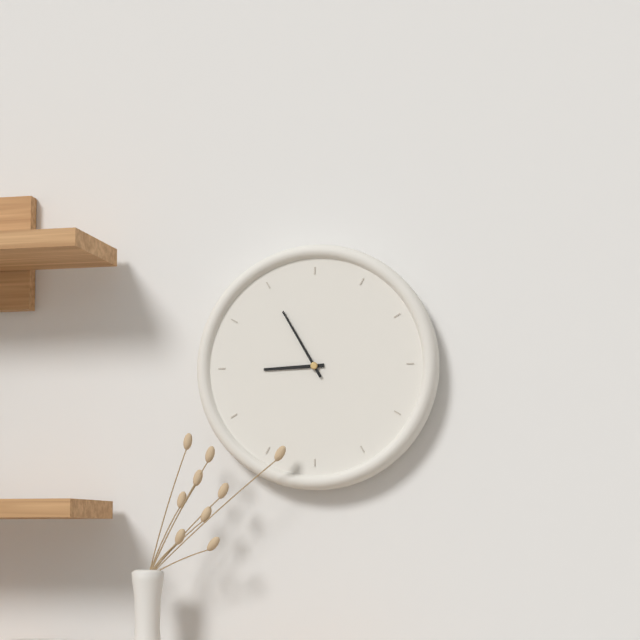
8,55
